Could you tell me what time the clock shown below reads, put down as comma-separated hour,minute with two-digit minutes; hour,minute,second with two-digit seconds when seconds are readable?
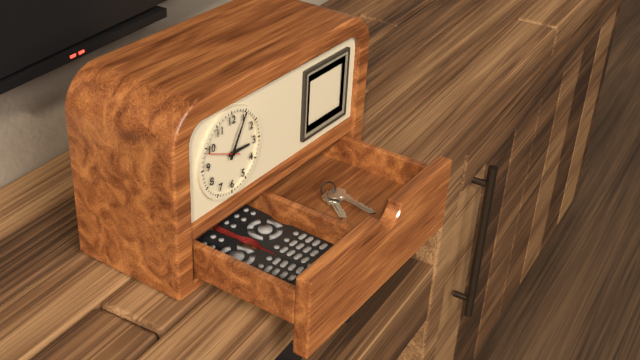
3,05
